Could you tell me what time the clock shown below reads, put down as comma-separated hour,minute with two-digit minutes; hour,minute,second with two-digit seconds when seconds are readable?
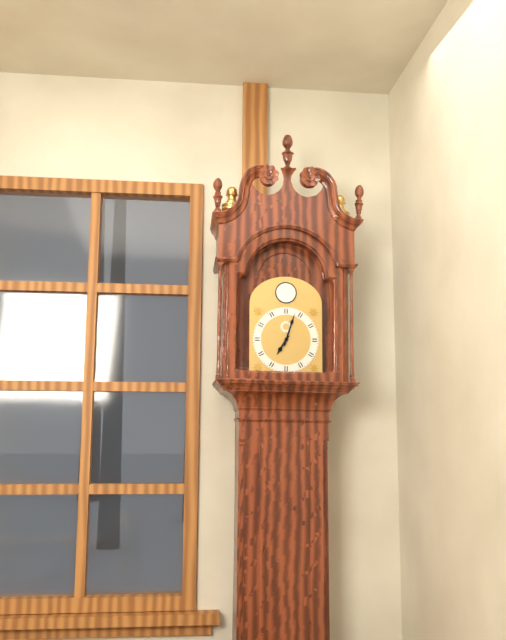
7,03
